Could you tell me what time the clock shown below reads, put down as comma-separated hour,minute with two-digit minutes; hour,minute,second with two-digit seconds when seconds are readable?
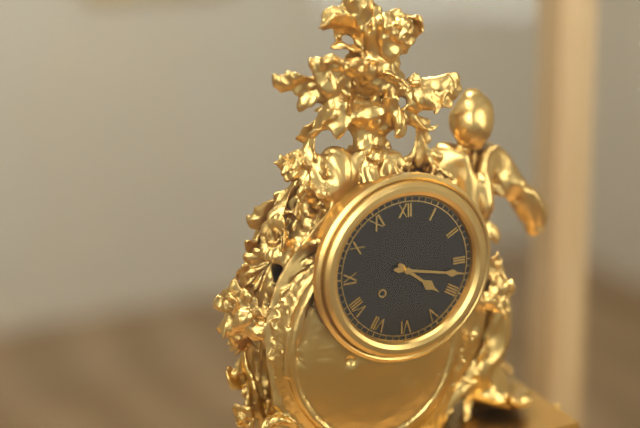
4,17
